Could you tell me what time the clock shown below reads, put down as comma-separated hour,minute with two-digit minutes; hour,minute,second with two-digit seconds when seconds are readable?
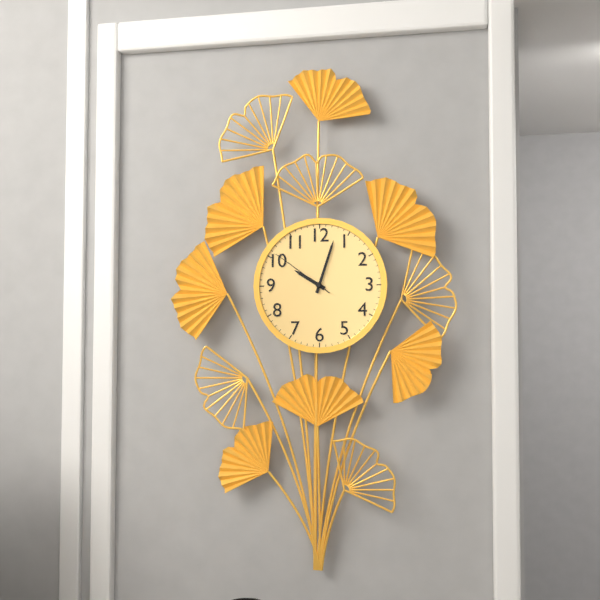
10,03,51
